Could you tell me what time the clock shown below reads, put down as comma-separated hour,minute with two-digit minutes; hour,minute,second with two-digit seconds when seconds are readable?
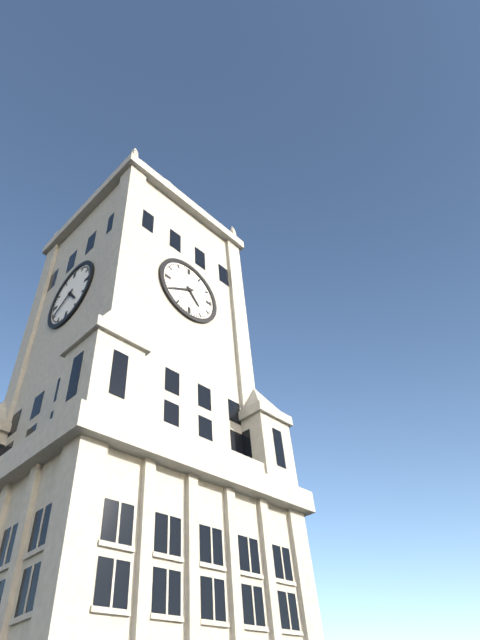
4,40
